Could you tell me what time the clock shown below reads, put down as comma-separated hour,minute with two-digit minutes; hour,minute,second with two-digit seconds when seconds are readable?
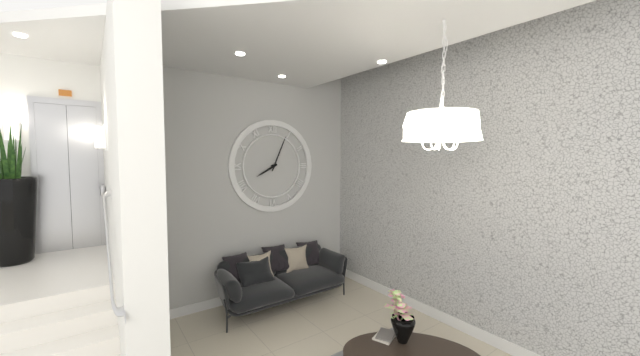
8,04
